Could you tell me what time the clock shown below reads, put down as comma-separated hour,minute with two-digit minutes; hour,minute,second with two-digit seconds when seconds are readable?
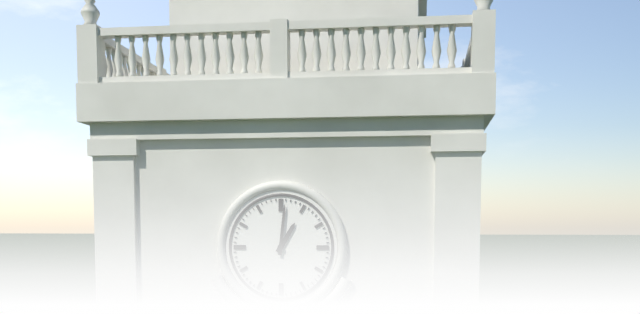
1,01
